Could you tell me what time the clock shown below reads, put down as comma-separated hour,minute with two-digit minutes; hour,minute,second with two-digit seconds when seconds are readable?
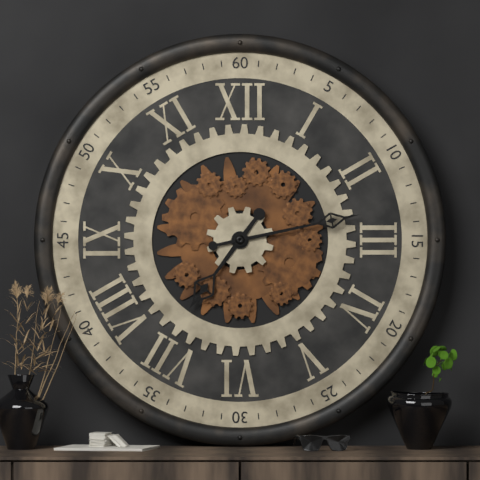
7,13
